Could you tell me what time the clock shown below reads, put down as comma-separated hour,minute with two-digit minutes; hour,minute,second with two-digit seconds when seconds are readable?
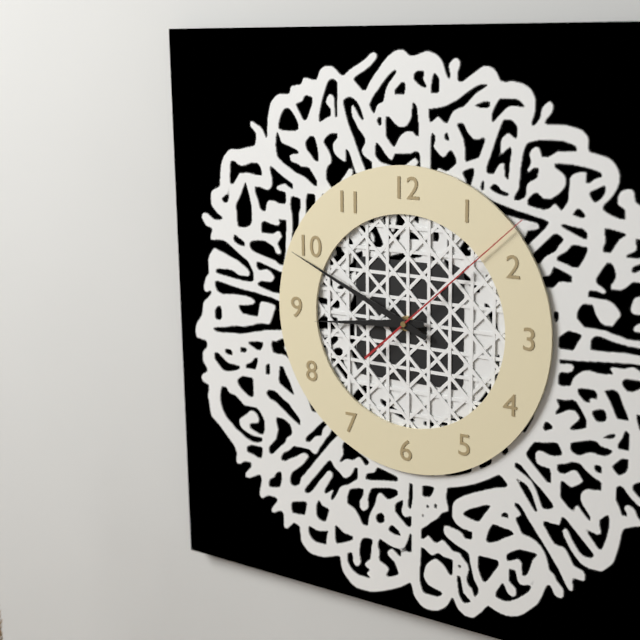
8,49,08
